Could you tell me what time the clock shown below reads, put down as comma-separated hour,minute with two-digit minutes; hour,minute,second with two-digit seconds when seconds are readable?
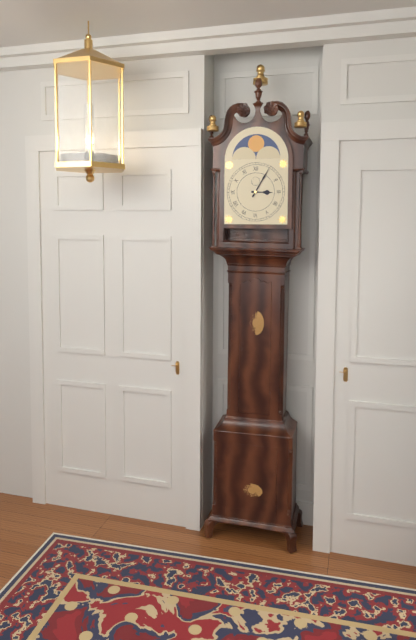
3,05
